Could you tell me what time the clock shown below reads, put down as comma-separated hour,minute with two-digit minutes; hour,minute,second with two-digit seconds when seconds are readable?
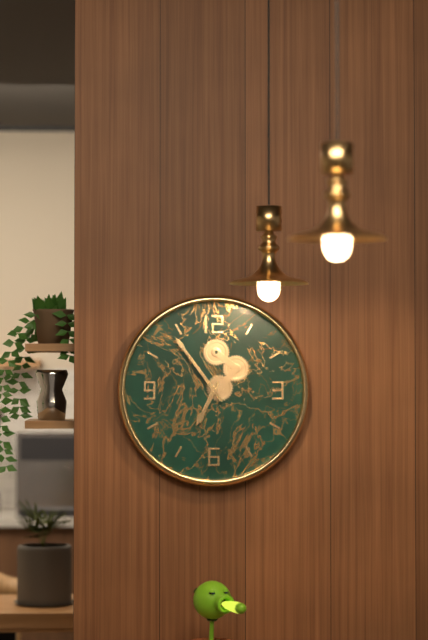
6,54
